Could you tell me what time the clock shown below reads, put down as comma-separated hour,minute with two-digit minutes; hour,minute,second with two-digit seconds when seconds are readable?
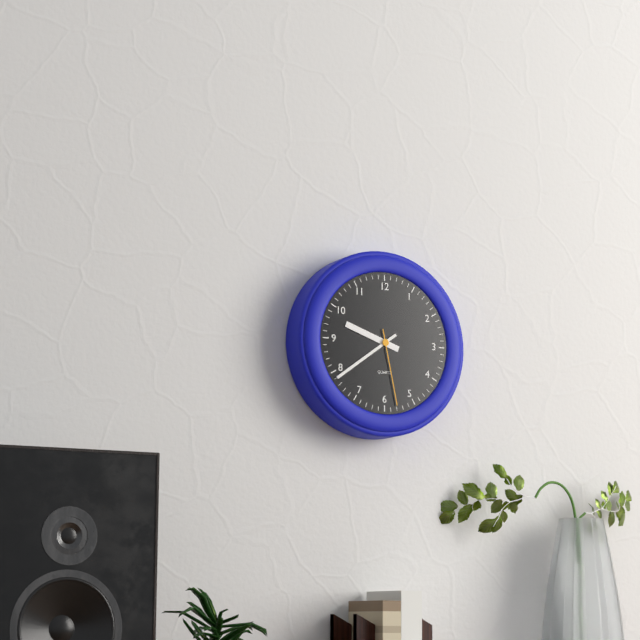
9,39,28
